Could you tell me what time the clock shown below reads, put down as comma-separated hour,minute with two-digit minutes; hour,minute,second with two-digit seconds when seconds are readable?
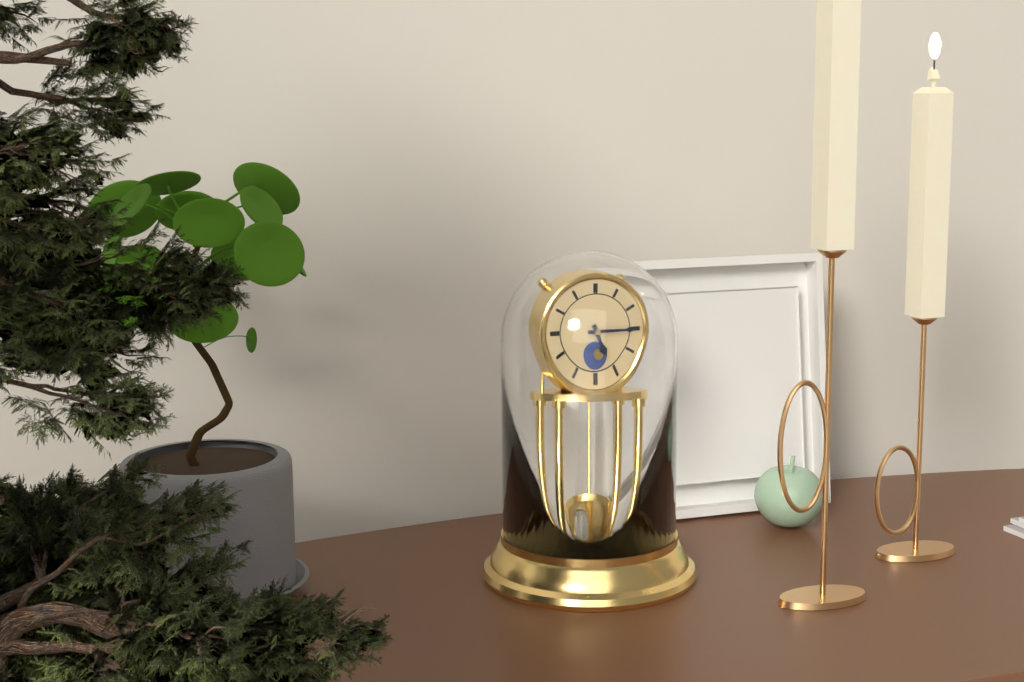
5,15
